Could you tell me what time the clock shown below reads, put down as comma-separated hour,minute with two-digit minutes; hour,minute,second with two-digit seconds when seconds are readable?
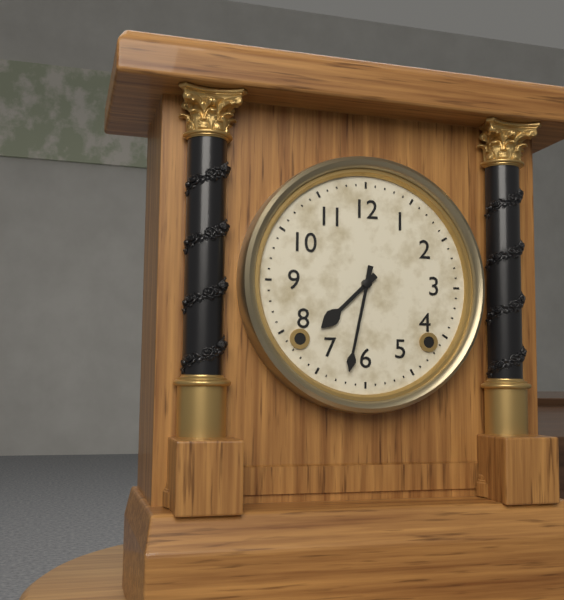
7,32
